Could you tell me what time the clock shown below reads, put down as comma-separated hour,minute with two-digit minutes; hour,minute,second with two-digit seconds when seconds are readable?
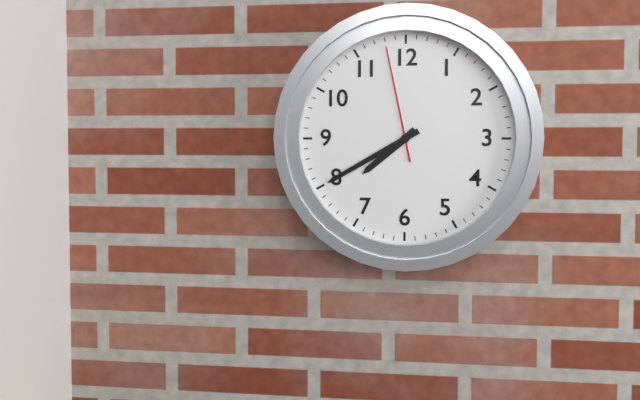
7,40,58
